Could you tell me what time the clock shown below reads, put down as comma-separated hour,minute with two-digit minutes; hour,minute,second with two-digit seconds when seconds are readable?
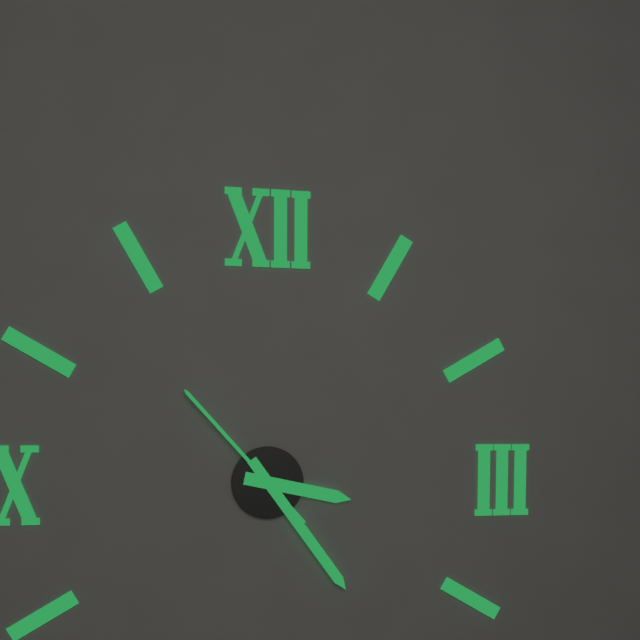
3,24,53
